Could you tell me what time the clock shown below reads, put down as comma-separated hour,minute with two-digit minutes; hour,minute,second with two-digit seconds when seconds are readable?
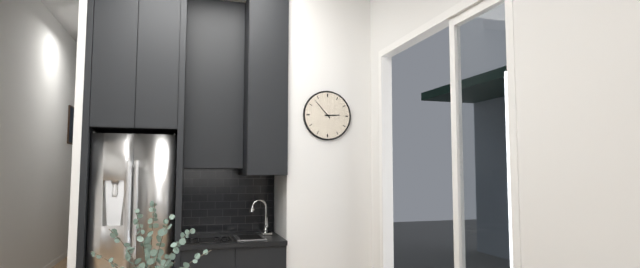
2,53
